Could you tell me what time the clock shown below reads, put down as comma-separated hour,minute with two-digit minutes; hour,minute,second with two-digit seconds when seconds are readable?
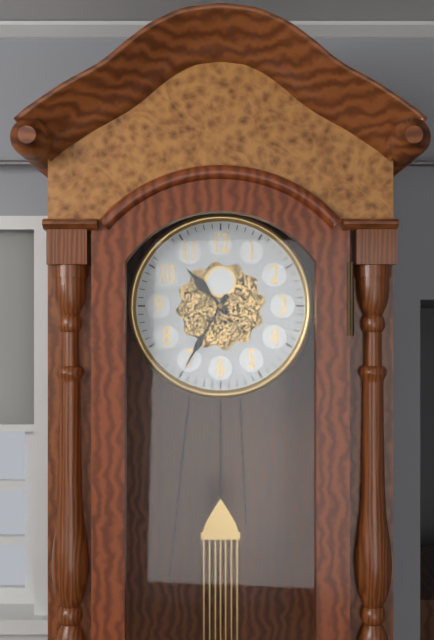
10,35
